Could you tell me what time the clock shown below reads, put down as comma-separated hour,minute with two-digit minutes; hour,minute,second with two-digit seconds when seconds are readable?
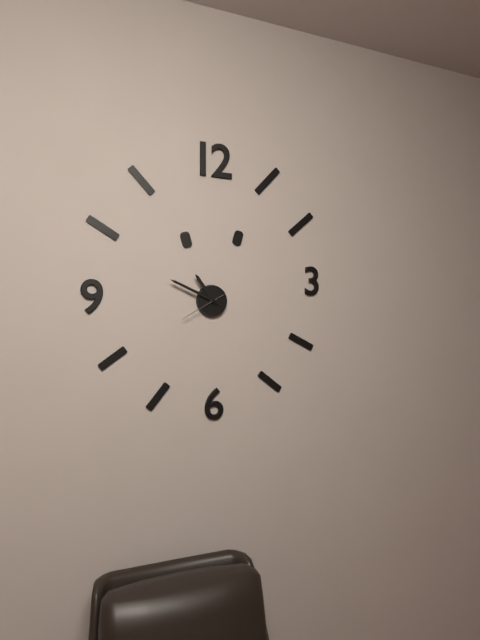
10,49
